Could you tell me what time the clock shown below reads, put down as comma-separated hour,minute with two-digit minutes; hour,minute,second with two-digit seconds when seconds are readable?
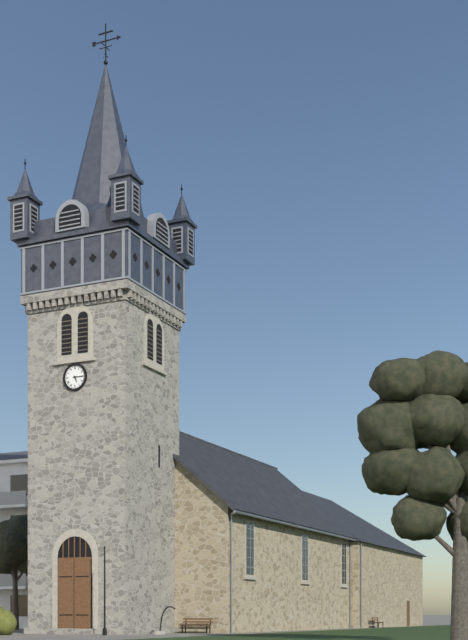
5,15
